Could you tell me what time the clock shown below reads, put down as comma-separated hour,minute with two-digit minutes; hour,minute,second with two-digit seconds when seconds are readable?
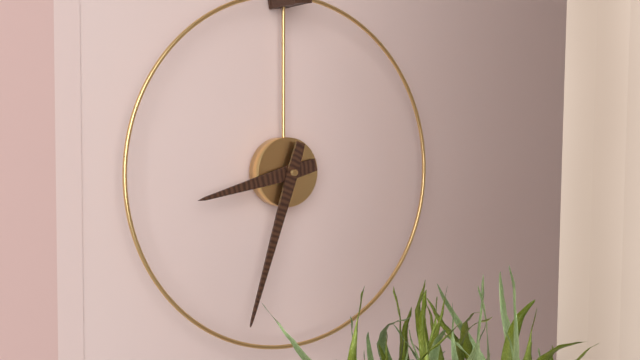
8,33
